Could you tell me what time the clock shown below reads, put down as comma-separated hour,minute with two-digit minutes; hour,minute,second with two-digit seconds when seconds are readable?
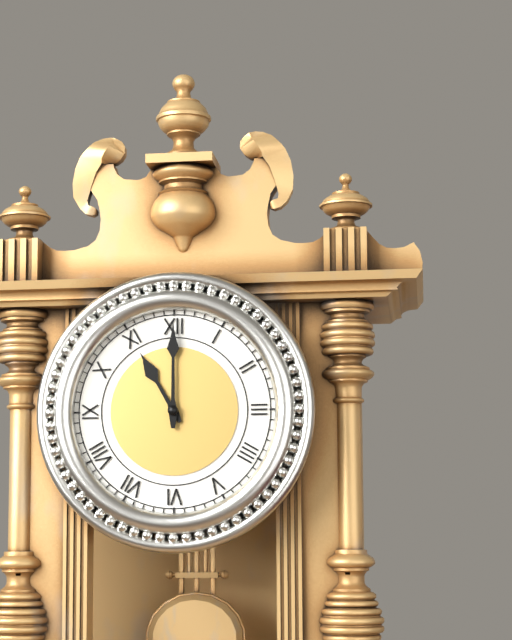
11,00
